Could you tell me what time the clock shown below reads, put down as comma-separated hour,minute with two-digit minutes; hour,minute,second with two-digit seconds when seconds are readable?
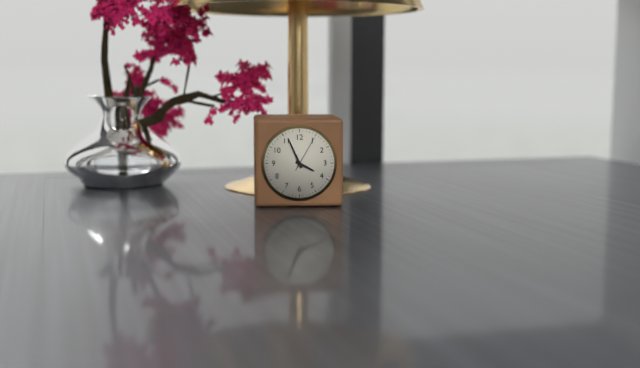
3,56
